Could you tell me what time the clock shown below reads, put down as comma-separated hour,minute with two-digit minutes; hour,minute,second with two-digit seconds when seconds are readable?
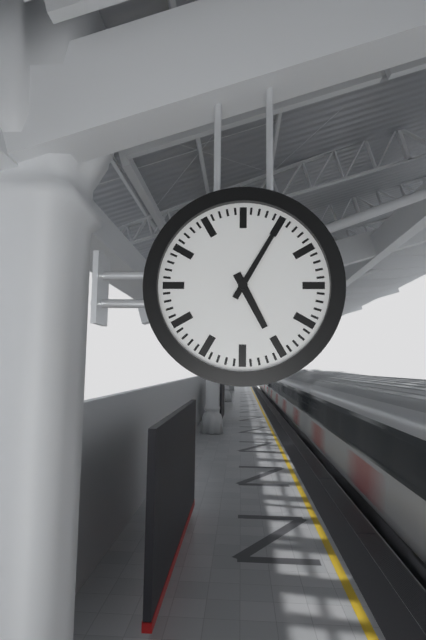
5,05
